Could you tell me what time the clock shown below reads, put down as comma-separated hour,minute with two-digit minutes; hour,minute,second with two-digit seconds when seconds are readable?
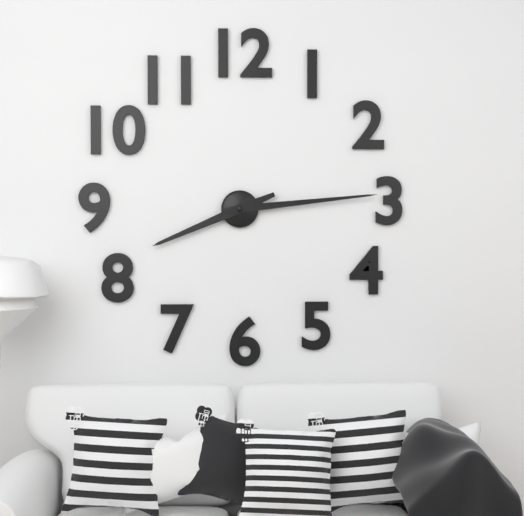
8,14
